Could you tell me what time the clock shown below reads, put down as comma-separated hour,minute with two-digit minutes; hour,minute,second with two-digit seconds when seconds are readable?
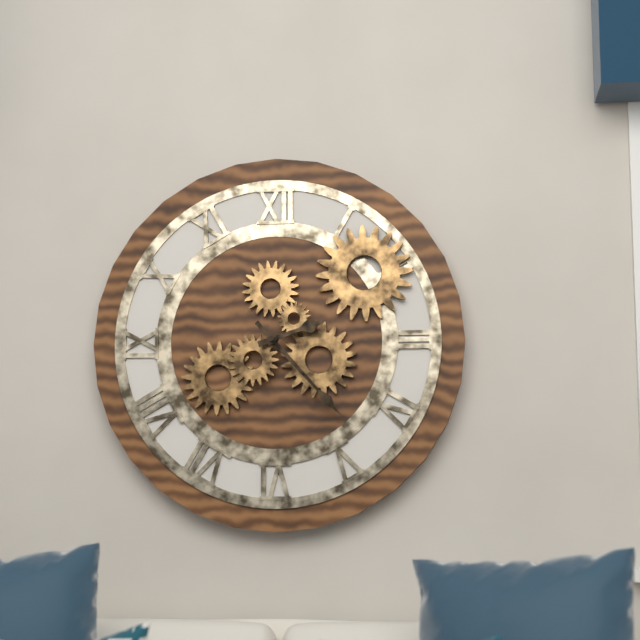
2,23
